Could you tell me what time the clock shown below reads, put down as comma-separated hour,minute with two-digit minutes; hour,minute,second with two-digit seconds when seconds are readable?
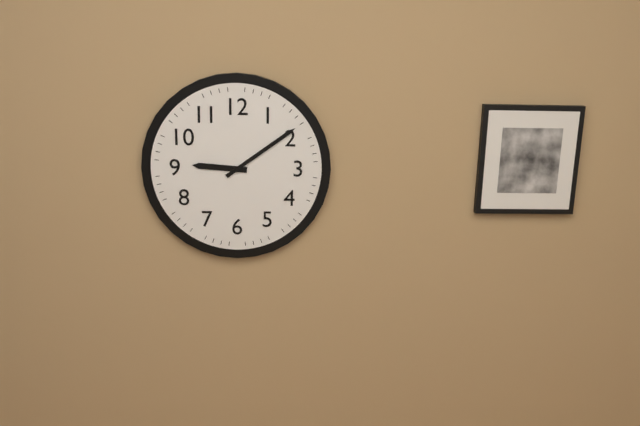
9,09
